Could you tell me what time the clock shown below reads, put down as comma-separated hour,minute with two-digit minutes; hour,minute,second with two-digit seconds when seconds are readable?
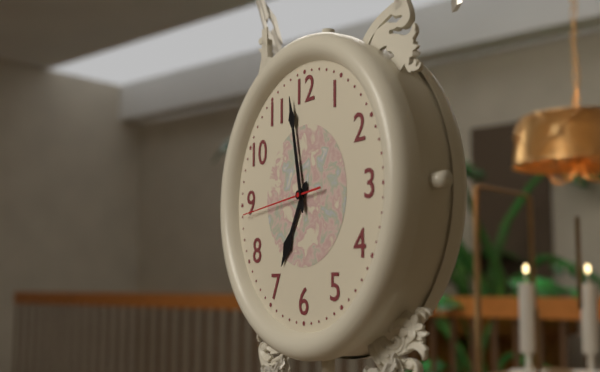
6,58,44
